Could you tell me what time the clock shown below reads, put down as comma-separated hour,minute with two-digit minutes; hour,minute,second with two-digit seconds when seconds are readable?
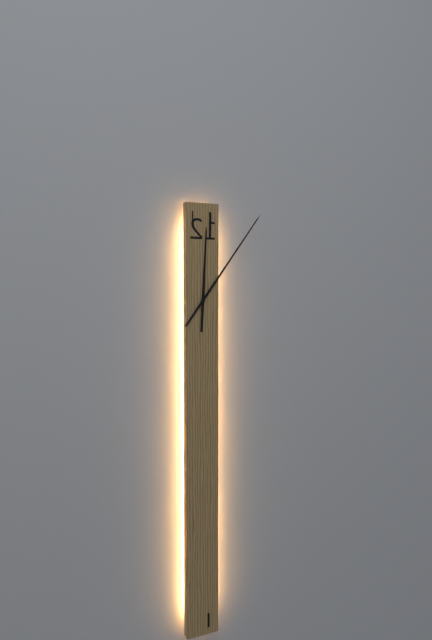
12,06
